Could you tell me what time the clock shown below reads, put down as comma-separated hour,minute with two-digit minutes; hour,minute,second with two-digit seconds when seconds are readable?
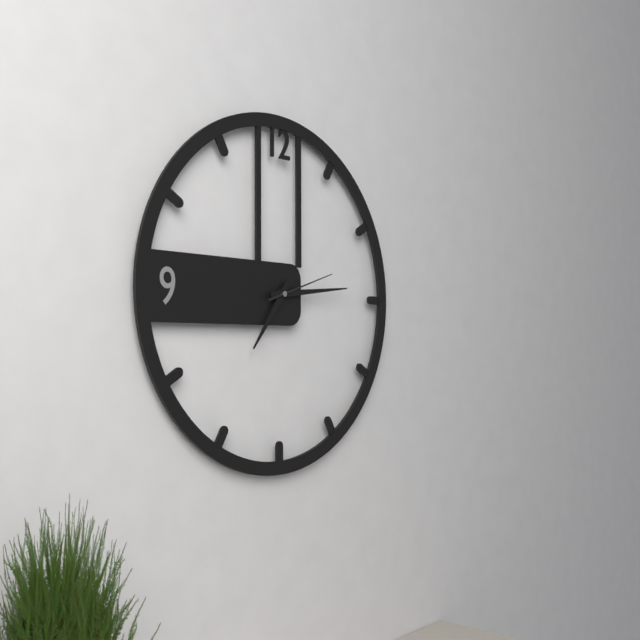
7,14,12
